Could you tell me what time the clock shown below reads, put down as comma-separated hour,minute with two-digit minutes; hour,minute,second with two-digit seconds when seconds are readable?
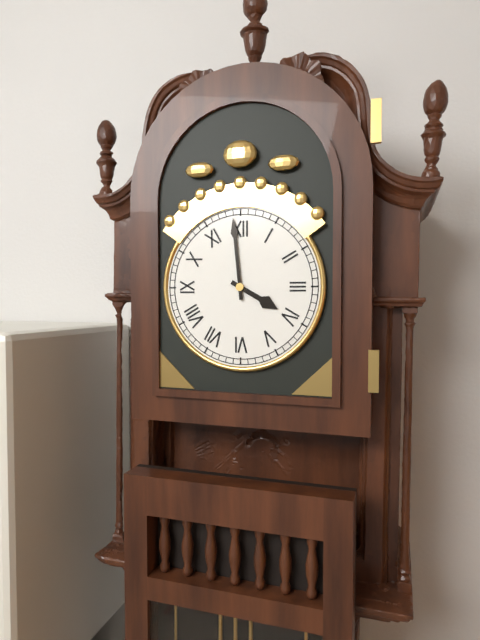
3,59
